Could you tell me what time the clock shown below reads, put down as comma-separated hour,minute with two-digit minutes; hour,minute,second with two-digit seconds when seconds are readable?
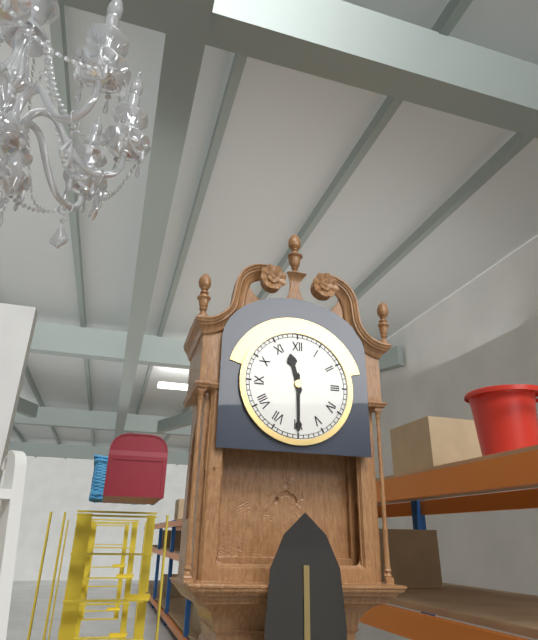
11,30
